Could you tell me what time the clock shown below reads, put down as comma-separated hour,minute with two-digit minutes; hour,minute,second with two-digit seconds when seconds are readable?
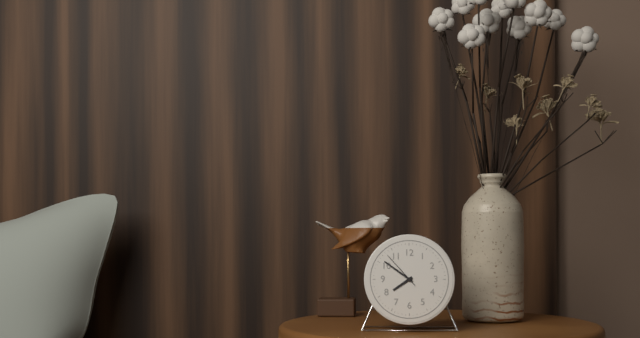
7,51
